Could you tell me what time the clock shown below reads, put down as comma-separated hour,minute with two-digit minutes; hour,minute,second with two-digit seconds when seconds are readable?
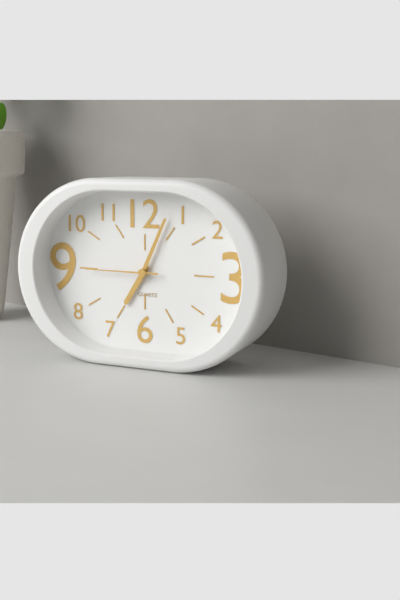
7,04,45
